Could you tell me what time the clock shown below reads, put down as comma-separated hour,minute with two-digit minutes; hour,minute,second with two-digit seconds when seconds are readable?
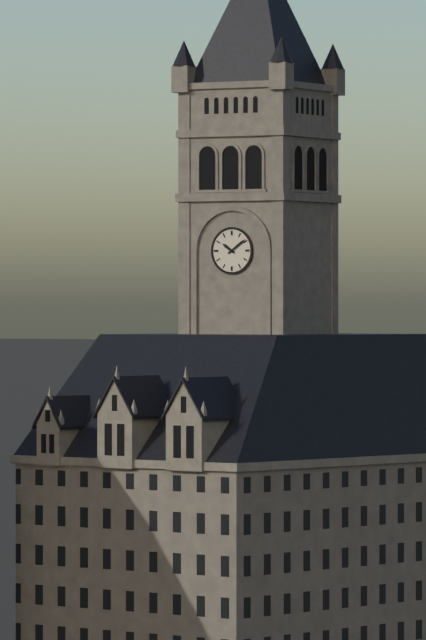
10,09
